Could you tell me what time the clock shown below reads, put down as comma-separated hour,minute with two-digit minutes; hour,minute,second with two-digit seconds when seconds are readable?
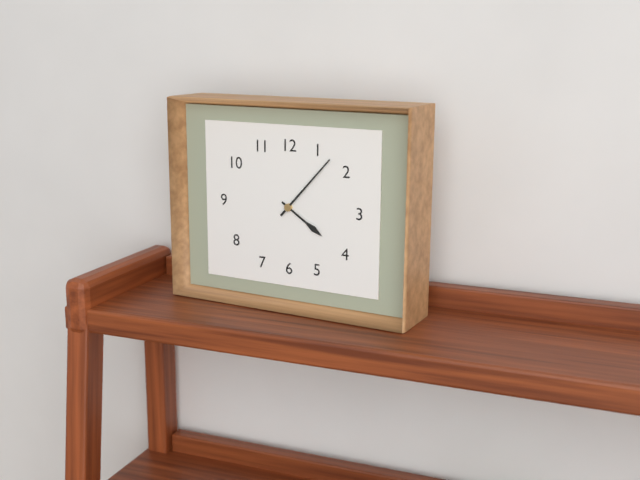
4,07
